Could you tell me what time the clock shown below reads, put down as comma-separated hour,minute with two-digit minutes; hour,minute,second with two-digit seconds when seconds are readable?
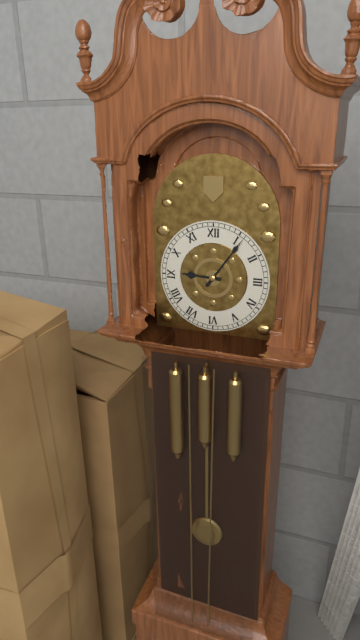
9,06
